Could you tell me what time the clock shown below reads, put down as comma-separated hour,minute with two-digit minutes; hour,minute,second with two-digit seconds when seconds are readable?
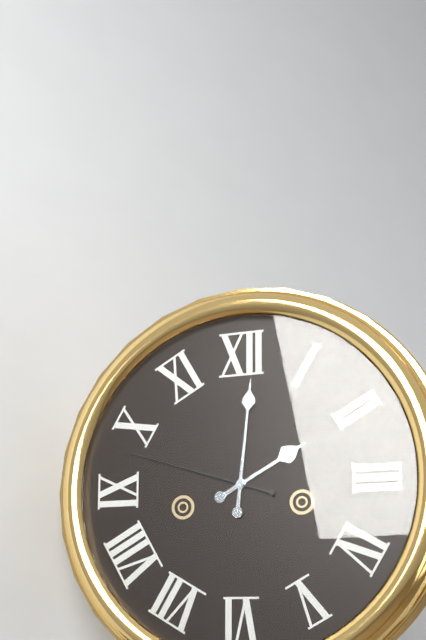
2,01,48
